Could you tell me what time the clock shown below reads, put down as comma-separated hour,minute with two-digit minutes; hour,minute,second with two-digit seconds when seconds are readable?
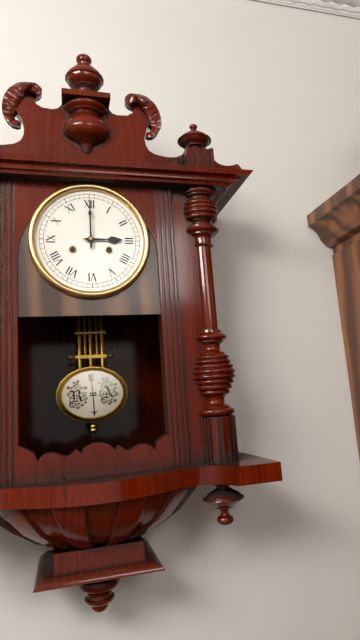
3,00
